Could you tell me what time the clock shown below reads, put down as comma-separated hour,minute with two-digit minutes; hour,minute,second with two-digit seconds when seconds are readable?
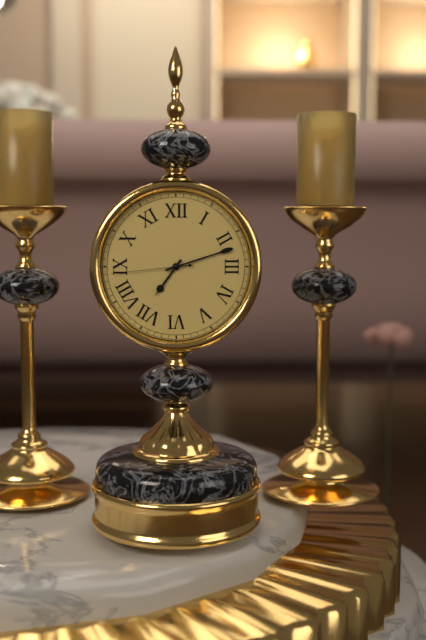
7,12,44
